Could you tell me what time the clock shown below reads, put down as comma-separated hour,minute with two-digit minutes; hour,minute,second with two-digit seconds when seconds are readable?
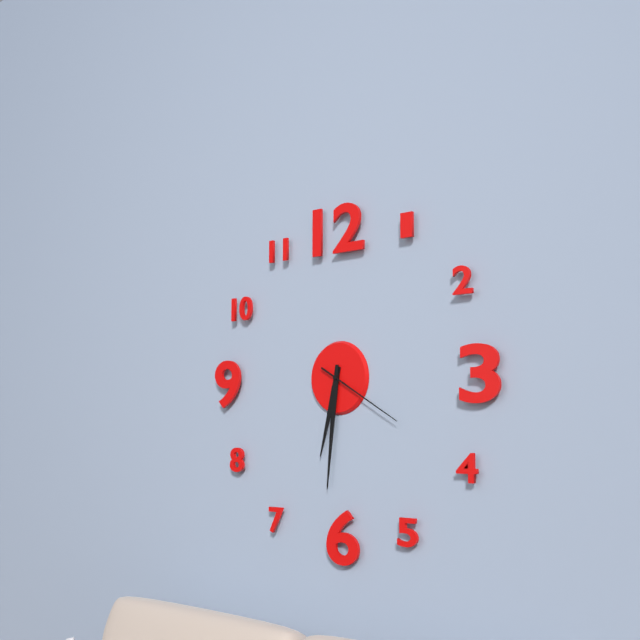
6,31,20
